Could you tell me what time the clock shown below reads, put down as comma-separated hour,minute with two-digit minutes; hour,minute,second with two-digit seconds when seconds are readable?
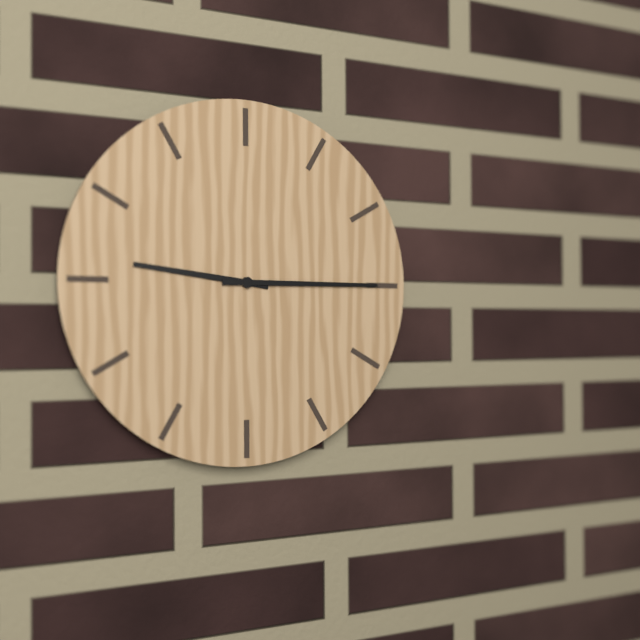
9,15
